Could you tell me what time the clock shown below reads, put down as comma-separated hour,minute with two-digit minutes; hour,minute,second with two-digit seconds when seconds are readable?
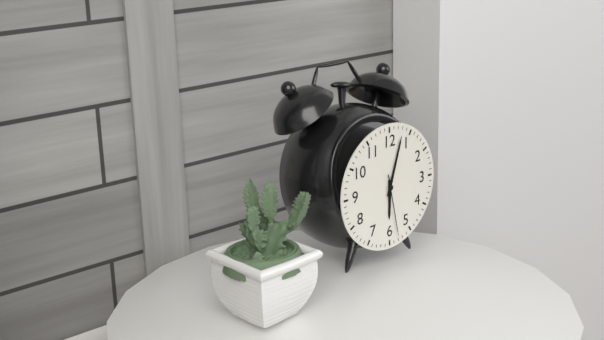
6,03,28
